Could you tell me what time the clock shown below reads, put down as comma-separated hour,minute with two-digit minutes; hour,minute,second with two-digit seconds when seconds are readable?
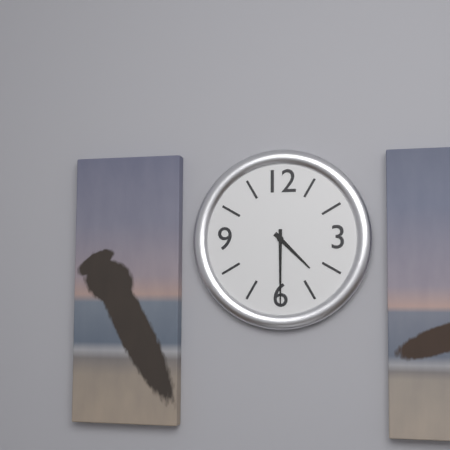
4,30
